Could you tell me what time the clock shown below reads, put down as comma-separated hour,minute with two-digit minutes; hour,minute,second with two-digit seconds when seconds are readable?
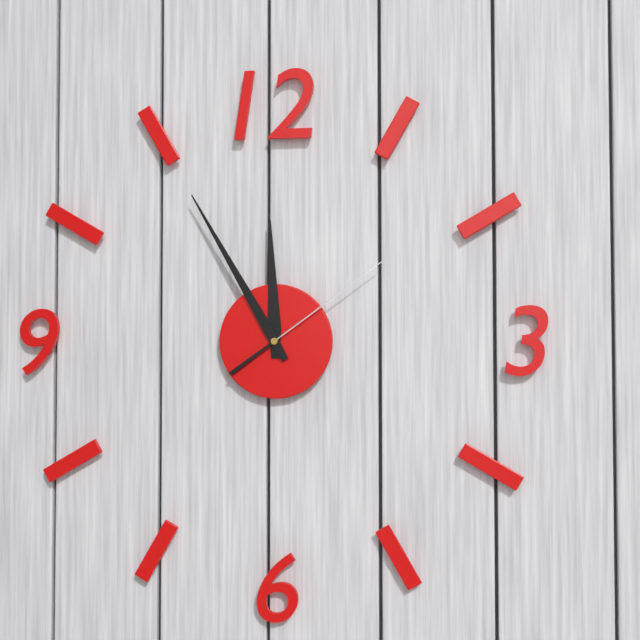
11,55,09
